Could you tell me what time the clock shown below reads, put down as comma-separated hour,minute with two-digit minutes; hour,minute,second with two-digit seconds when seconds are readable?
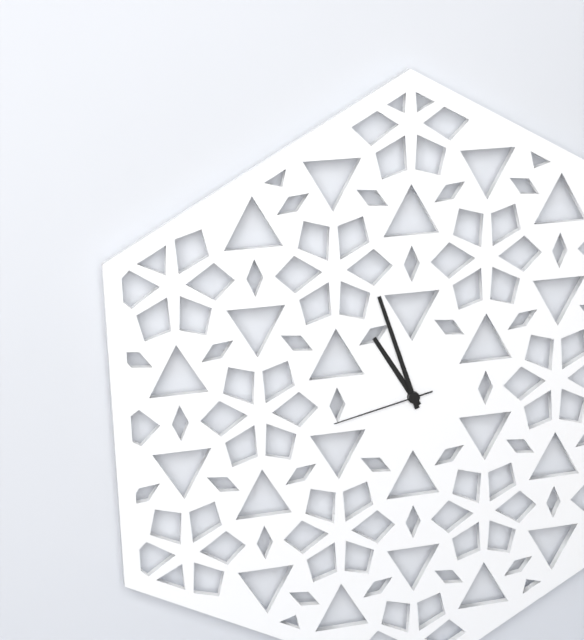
10,57,43
